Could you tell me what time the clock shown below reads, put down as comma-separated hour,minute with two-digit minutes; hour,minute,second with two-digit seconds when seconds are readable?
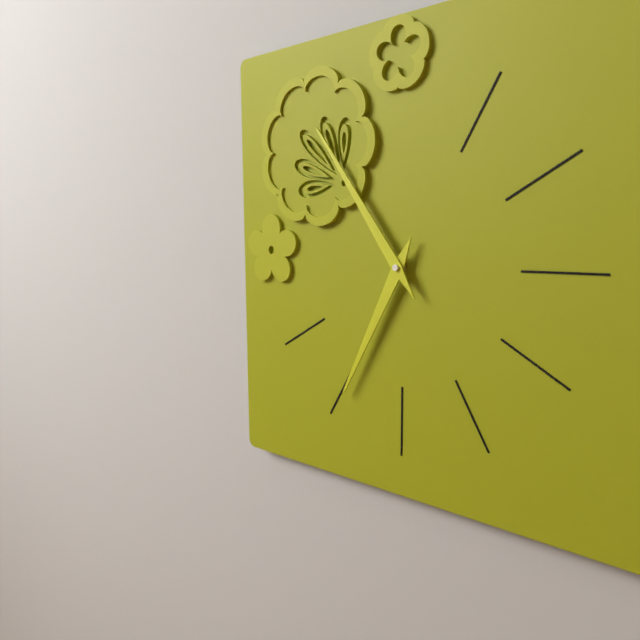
6,54
